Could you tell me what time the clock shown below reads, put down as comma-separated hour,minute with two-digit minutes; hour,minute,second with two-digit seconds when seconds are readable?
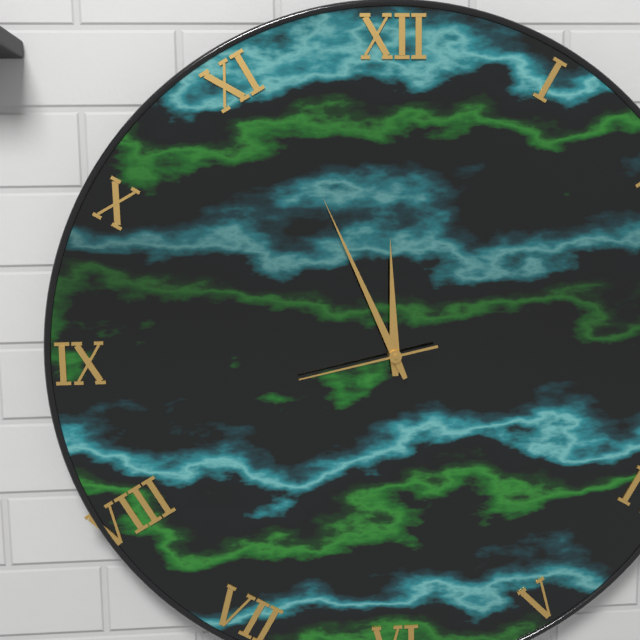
11,56,43
